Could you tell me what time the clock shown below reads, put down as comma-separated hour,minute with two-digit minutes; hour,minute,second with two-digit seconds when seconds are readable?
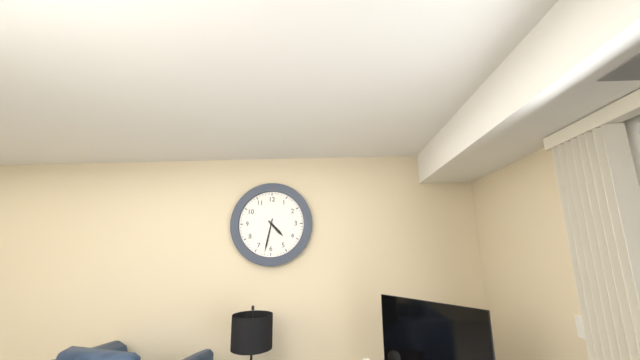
4,32
